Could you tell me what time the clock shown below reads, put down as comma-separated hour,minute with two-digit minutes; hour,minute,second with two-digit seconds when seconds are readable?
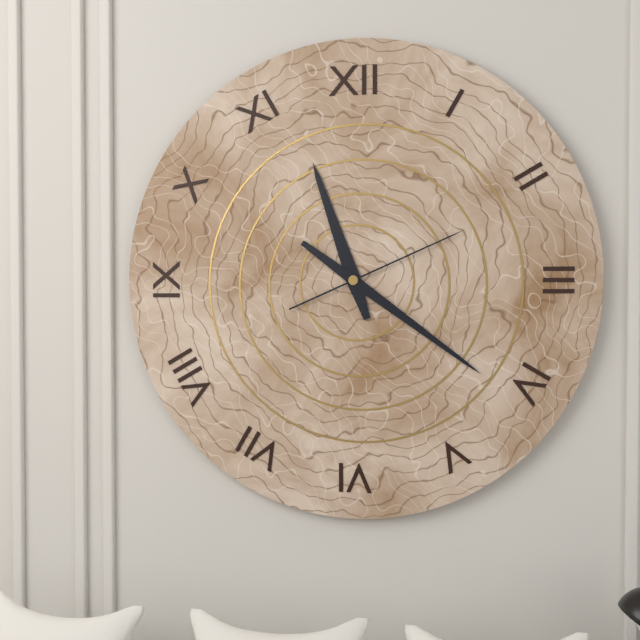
11,21,11
